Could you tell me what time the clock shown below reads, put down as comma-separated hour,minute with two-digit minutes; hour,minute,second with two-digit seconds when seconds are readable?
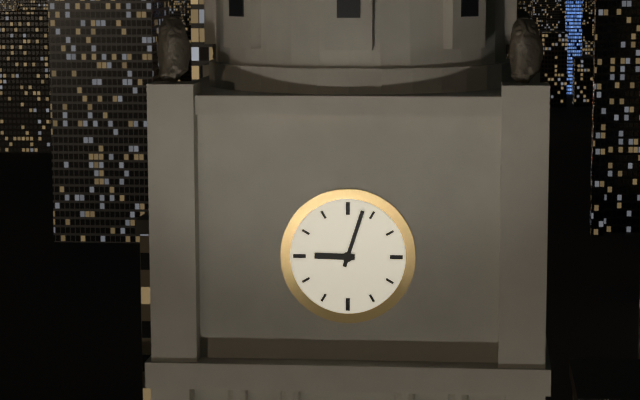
9,03
